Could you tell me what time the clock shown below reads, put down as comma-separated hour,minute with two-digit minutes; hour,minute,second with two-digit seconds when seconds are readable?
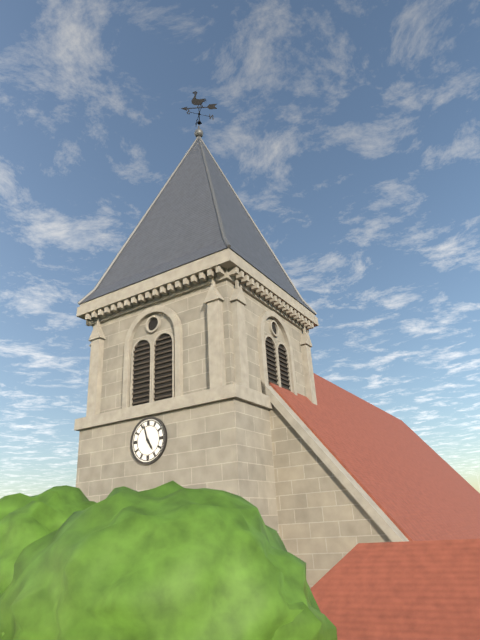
4,57
